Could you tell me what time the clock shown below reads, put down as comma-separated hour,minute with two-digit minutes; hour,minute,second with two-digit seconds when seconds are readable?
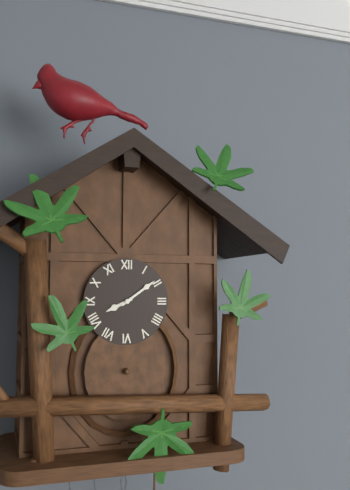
8,09
